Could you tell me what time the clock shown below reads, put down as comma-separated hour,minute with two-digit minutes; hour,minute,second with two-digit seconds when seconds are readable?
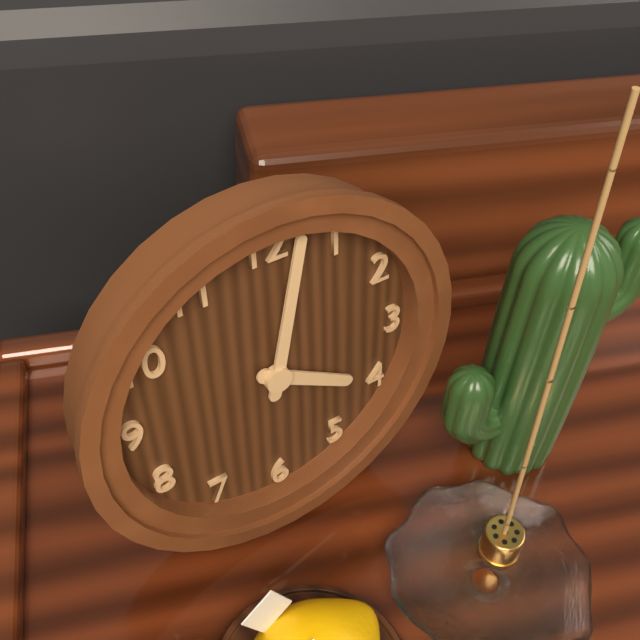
4,02
